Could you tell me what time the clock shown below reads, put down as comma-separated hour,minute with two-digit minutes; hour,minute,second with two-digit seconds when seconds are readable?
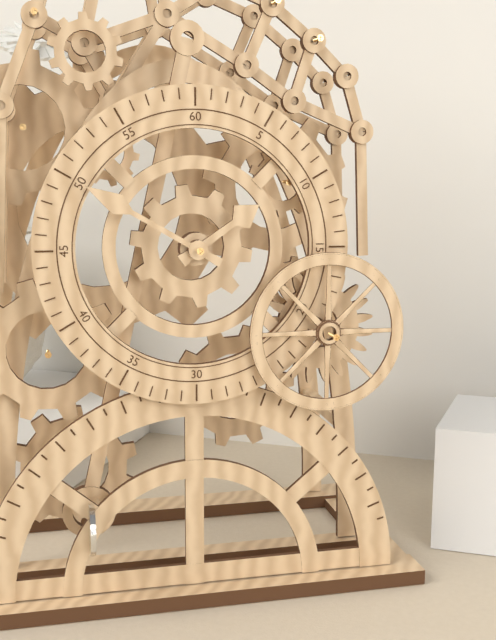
1,50
